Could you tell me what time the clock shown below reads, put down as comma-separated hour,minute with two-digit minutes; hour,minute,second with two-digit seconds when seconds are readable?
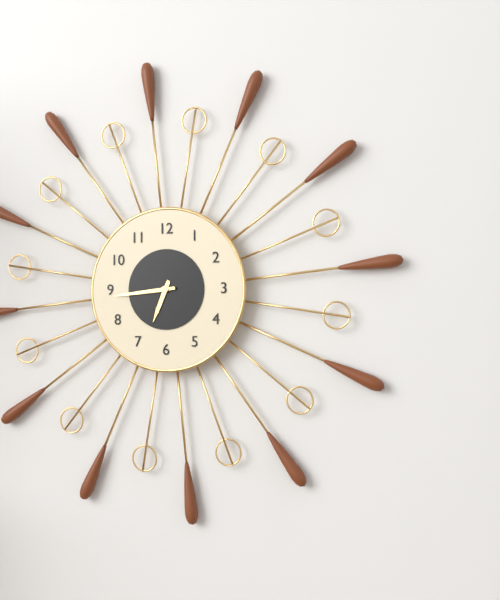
6,44
